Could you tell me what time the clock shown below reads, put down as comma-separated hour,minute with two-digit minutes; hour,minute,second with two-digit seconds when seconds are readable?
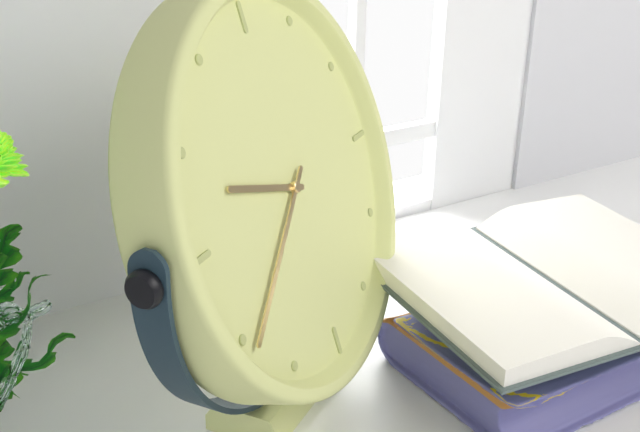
9,39
